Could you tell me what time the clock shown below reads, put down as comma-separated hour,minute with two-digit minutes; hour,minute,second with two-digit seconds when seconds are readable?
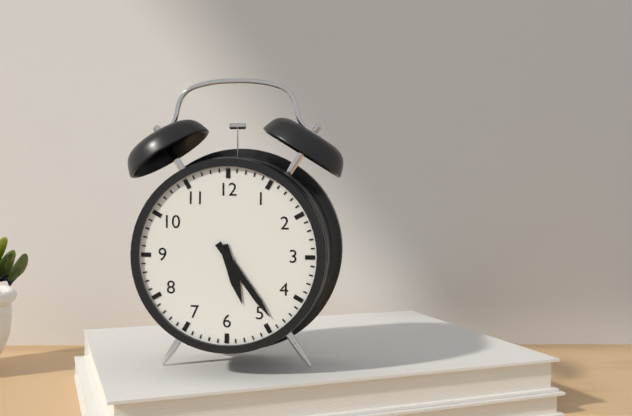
5,24
